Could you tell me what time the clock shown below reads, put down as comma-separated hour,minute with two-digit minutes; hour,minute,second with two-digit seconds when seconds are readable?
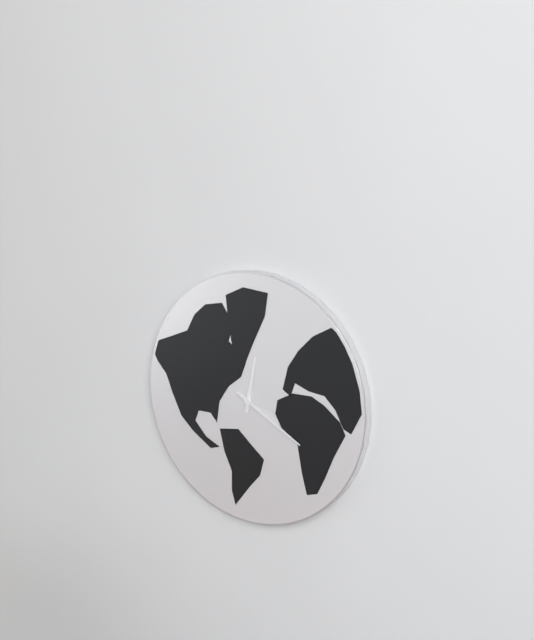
12,20
